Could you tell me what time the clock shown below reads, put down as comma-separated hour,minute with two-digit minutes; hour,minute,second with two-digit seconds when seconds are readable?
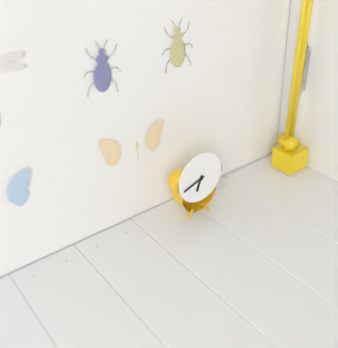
6,42
